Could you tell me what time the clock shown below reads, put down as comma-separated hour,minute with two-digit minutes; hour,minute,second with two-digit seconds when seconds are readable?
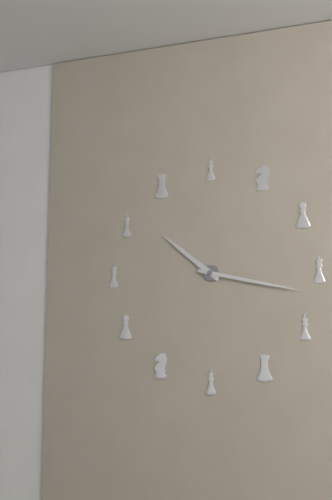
10,17
